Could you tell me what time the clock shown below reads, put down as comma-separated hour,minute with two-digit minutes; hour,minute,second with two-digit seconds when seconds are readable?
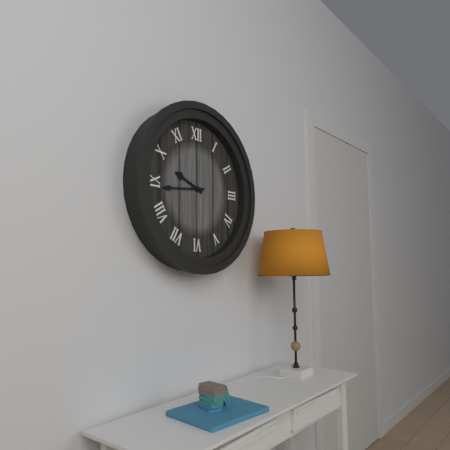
9,44
